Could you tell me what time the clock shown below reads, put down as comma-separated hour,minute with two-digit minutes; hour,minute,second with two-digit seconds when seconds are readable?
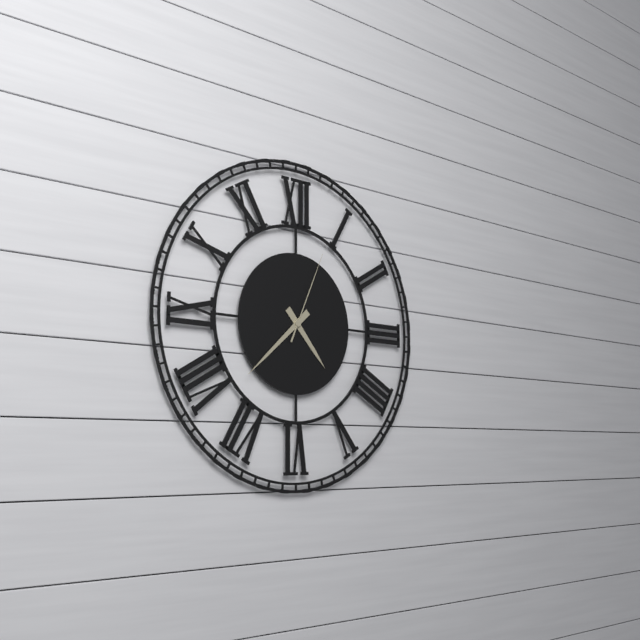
4,38,04
